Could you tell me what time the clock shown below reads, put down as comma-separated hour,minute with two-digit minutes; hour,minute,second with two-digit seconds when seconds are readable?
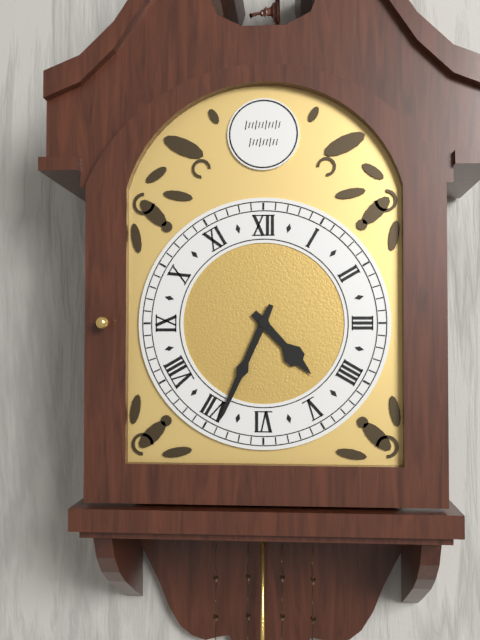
4,34
